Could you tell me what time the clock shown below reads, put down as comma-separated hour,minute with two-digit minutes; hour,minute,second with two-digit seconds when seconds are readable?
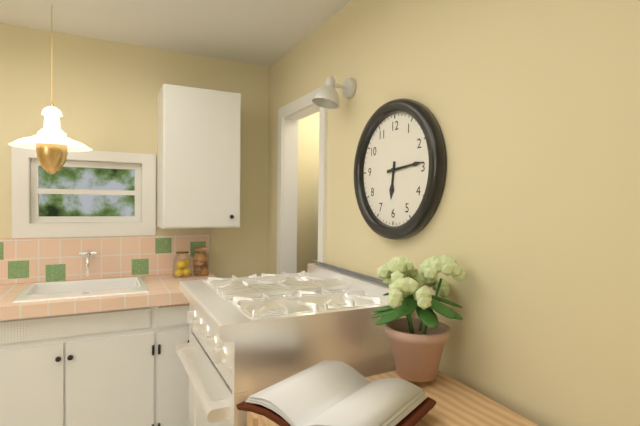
6,14
